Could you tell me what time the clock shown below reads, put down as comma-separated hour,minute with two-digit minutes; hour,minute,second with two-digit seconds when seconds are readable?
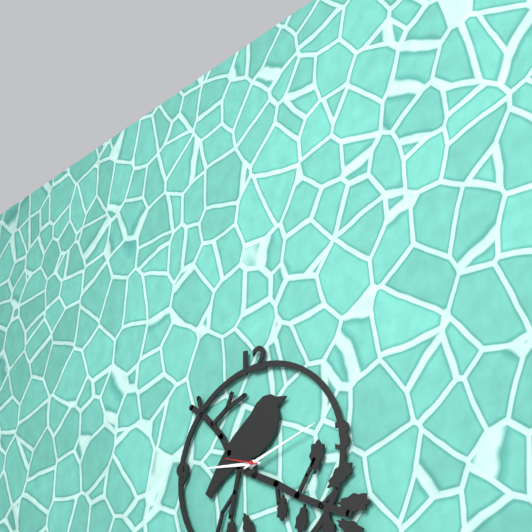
9,12
